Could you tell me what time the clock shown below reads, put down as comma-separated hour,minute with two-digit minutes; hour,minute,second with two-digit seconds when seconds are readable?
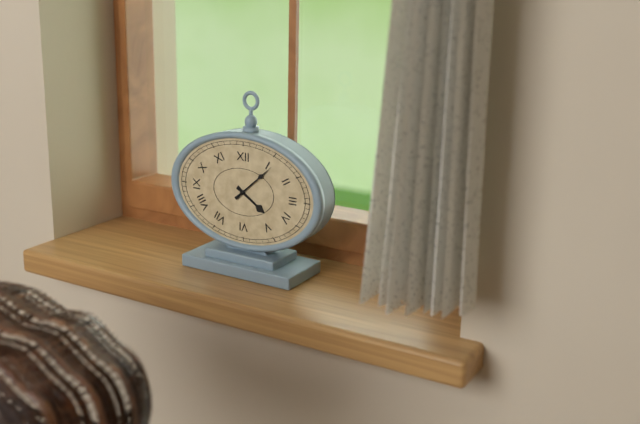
4,08
